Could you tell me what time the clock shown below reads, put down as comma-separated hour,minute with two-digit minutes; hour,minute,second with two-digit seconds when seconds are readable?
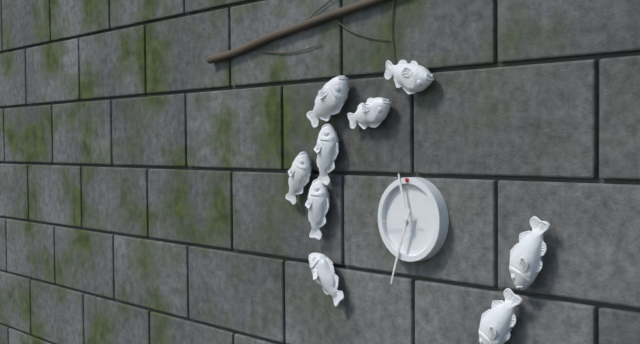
11,33
